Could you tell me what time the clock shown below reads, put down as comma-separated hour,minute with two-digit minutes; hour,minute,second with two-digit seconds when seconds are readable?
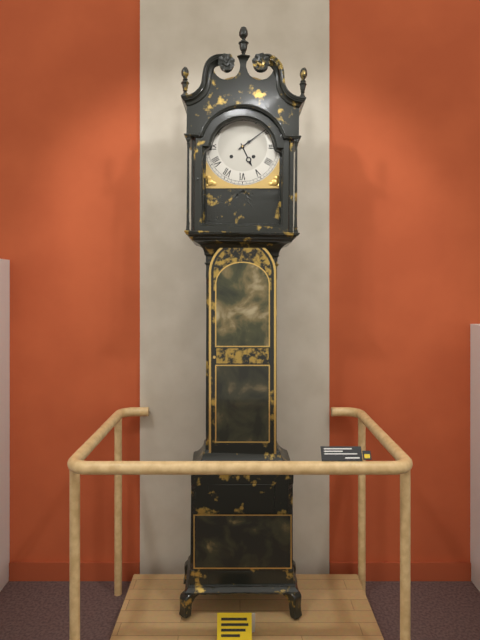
5,09
